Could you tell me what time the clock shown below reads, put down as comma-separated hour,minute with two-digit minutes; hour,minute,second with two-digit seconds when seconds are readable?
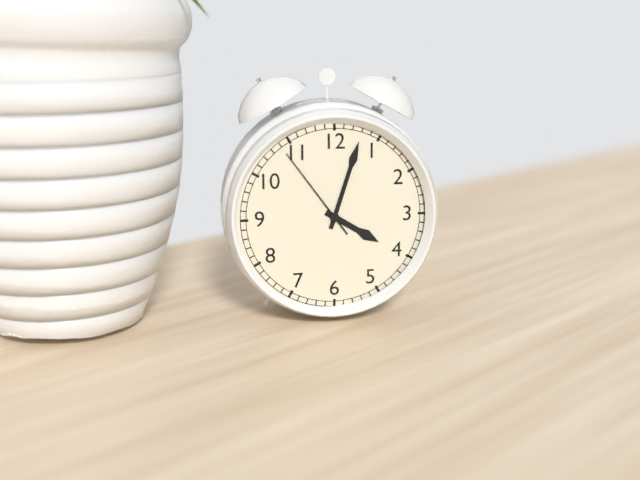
4,03,54
